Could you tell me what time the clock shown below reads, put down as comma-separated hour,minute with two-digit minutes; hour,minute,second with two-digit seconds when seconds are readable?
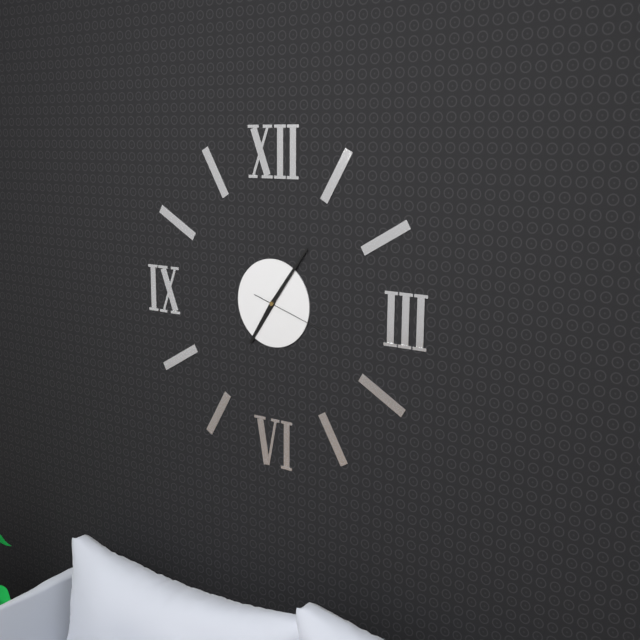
7,06,18
